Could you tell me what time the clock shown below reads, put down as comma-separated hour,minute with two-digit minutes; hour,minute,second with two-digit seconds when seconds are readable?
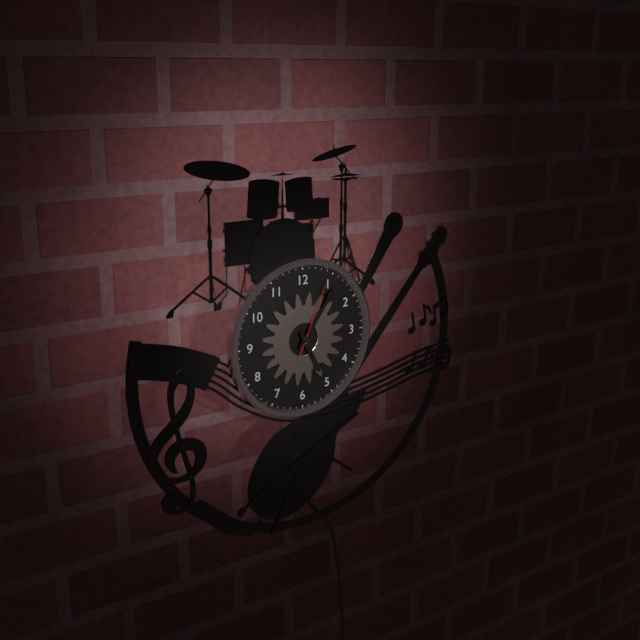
5,06,04
